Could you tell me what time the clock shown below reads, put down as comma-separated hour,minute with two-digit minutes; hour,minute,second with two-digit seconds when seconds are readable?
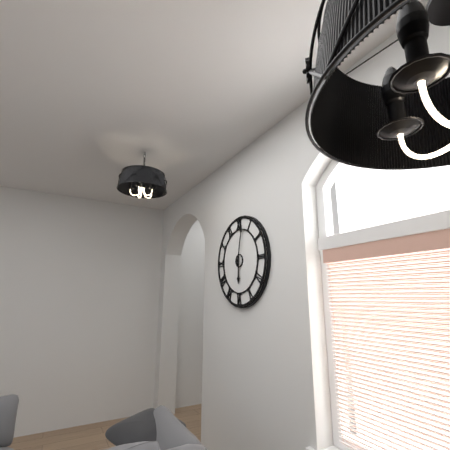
6,02
